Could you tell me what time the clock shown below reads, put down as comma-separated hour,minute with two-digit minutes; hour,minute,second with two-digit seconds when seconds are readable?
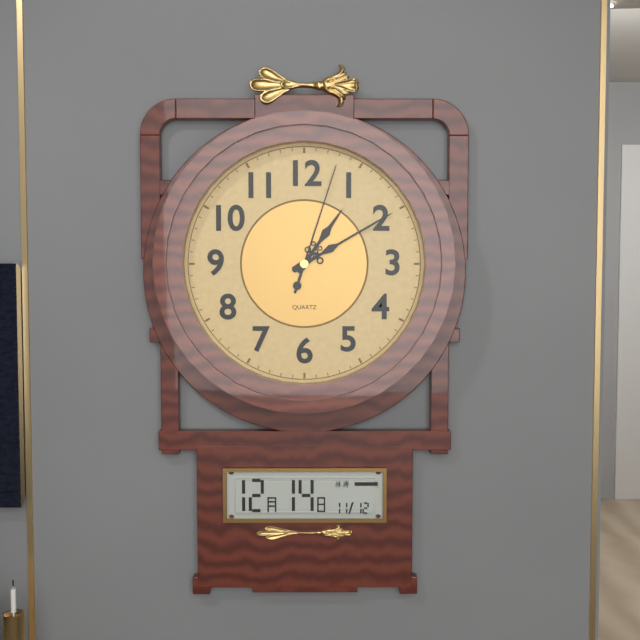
1,10,03
